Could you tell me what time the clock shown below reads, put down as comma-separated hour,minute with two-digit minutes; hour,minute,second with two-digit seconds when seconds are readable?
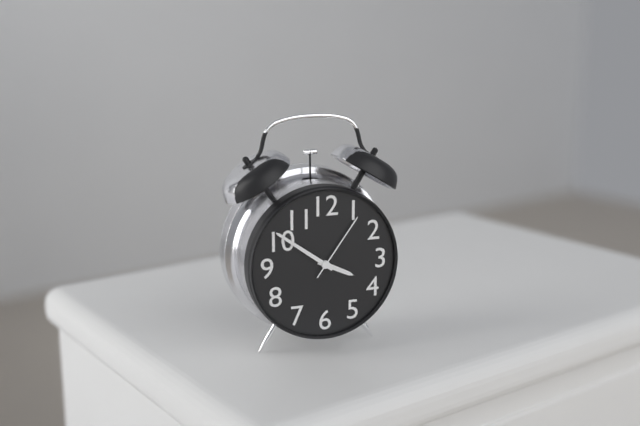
3,51,06
